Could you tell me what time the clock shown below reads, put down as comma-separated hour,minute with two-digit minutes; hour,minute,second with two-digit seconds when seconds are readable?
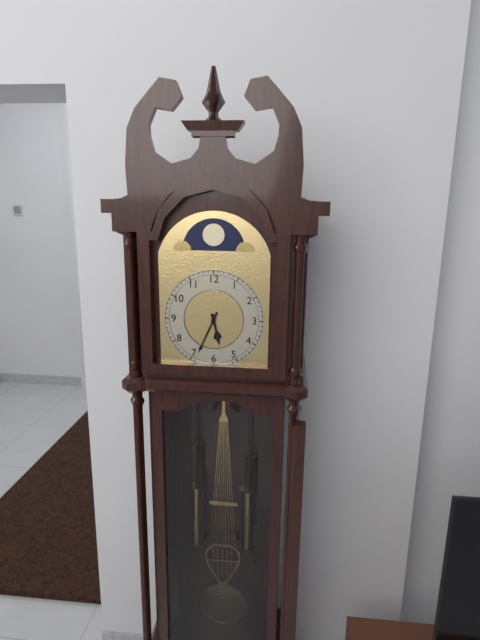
5,34
